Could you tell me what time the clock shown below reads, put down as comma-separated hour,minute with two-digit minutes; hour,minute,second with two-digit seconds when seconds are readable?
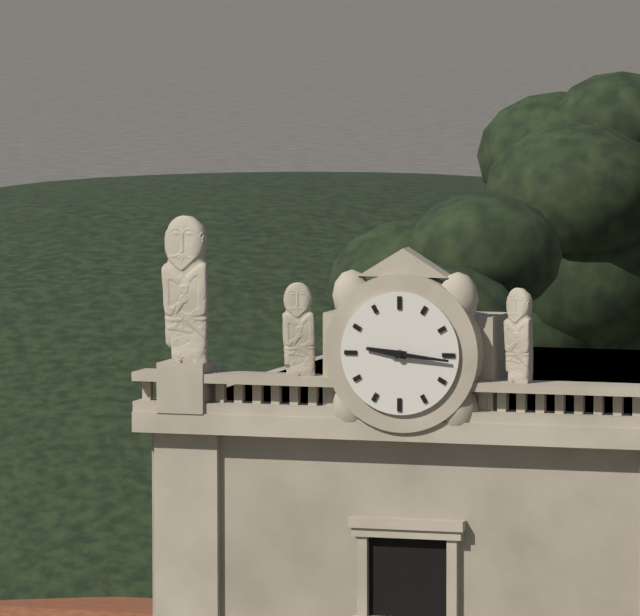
9,16
